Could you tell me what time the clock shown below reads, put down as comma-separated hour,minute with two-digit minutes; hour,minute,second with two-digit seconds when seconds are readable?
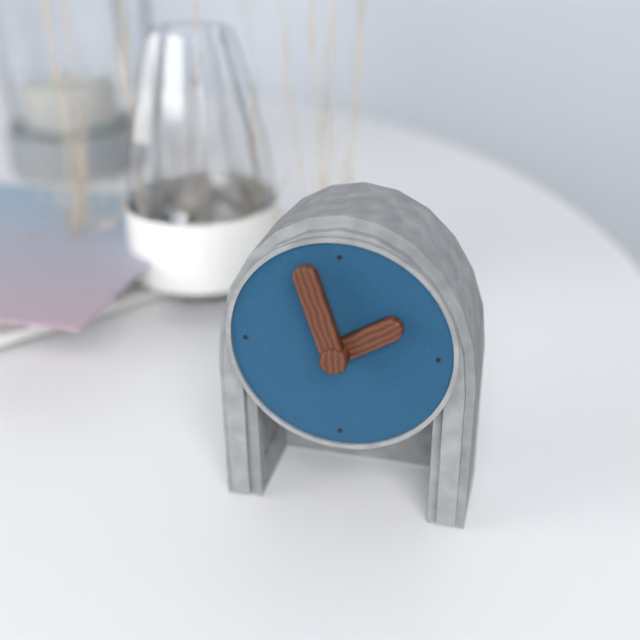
1,57
